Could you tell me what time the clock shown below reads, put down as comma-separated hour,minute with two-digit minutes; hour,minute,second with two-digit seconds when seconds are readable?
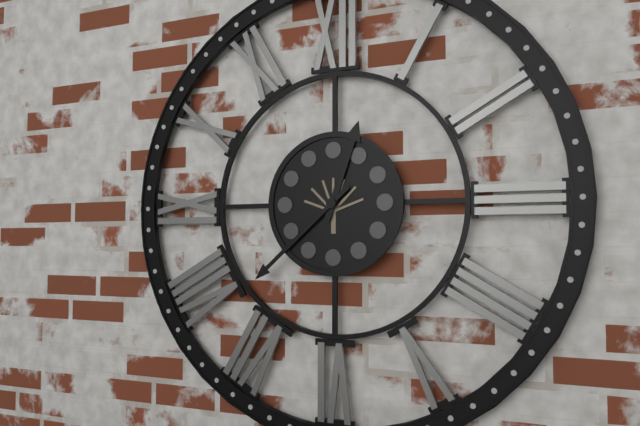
12,38
